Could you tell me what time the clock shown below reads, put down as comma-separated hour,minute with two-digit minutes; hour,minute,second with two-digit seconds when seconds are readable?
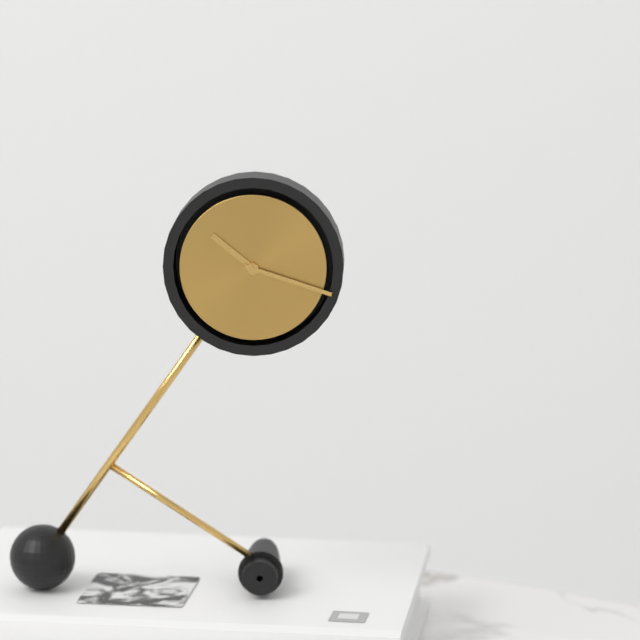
10,18
